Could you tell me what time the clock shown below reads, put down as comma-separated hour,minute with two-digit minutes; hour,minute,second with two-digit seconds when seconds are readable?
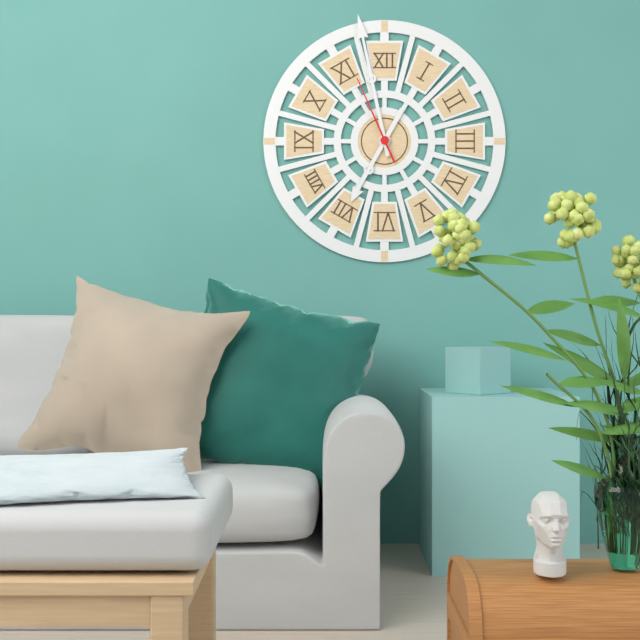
6,58,56
